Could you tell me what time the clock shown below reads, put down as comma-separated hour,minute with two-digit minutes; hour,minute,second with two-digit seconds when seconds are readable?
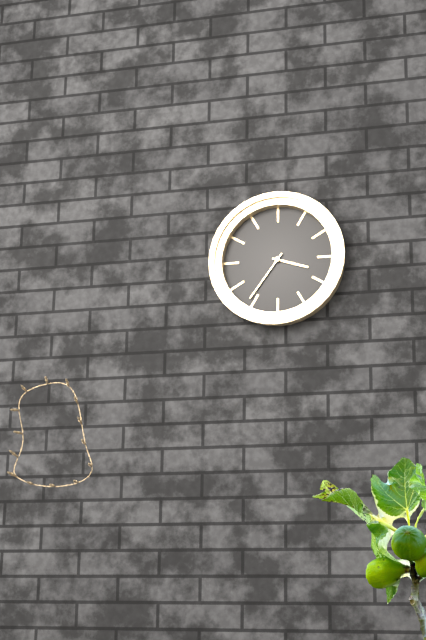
3,36
